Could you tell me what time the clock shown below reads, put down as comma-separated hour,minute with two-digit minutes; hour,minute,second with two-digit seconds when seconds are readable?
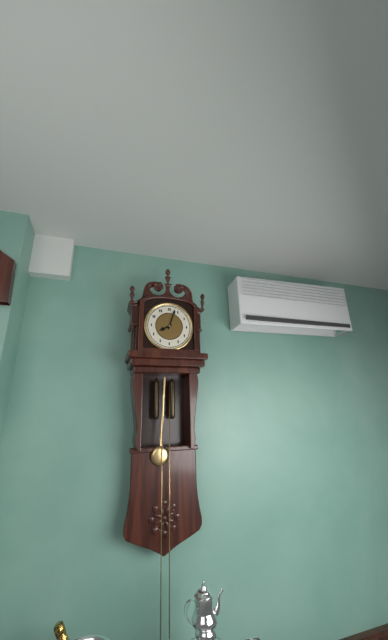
8,03
